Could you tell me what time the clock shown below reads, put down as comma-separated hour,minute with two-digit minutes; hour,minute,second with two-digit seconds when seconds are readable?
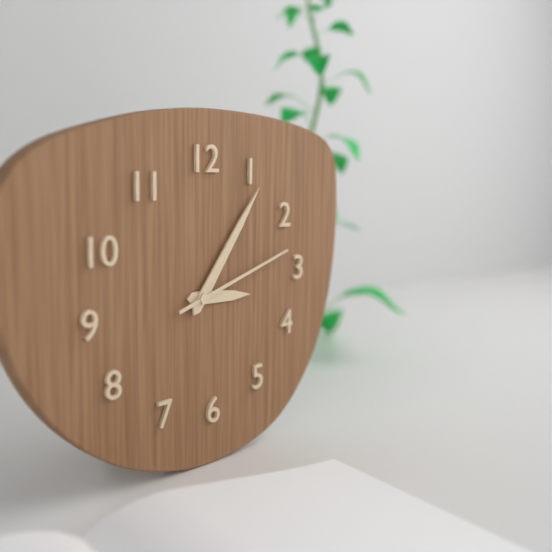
3,06,12
